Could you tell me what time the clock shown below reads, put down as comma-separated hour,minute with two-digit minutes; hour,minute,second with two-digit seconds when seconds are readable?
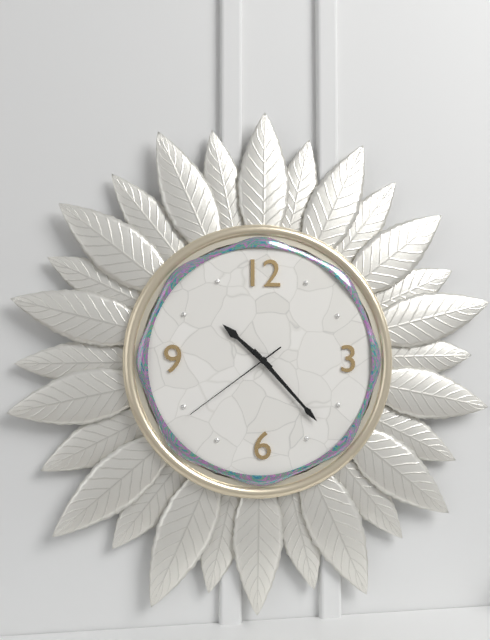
10,23,39
